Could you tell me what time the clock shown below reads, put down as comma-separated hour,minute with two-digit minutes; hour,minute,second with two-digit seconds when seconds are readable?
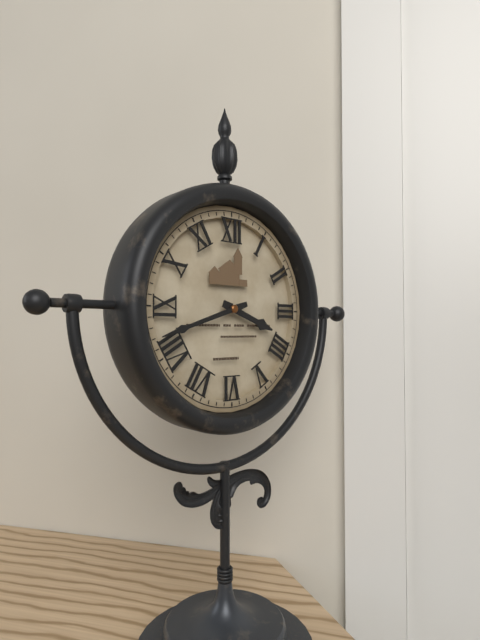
3,42
